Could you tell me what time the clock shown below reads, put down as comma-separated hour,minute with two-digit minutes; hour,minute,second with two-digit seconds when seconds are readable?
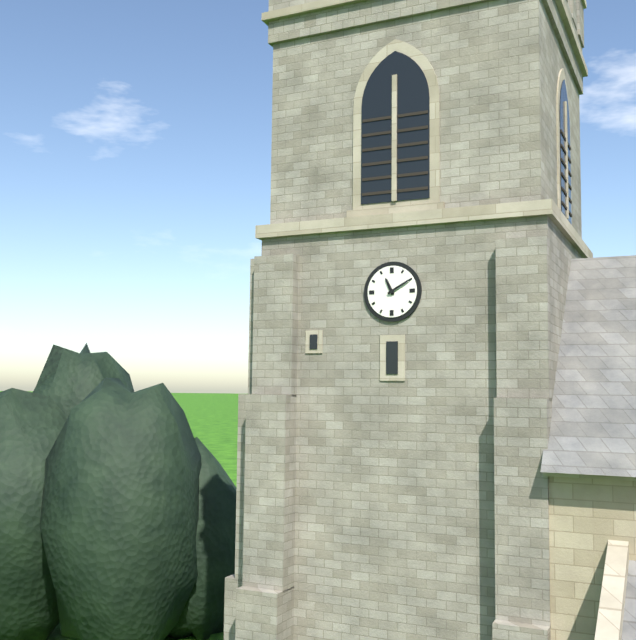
11,10
